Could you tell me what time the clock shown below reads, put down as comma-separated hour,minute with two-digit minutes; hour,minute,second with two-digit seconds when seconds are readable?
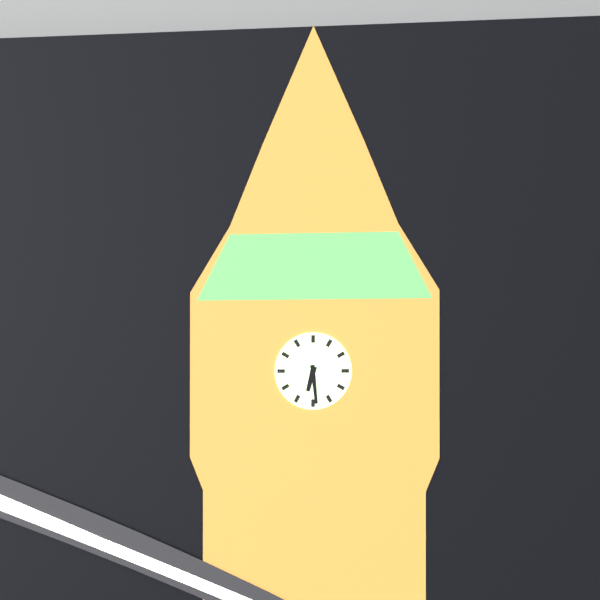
6,29
